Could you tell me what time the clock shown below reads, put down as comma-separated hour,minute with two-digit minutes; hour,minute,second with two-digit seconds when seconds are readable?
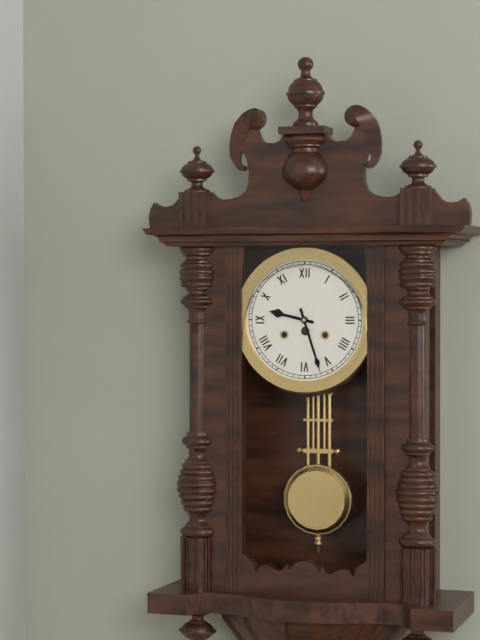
9,27
